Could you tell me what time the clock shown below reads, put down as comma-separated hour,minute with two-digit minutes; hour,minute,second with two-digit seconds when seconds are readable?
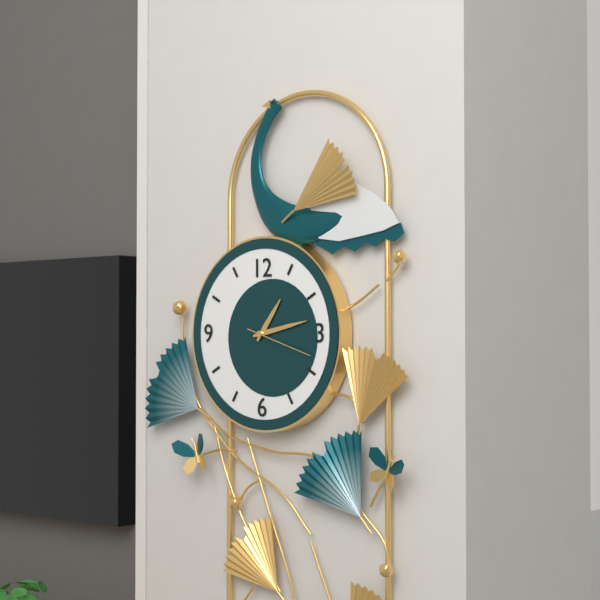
1,13
